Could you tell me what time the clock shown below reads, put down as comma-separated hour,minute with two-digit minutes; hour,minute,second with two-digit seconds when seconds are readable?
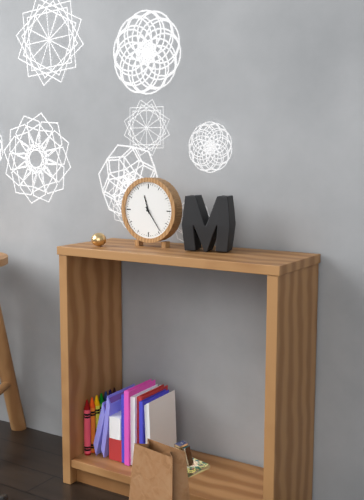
11,24
